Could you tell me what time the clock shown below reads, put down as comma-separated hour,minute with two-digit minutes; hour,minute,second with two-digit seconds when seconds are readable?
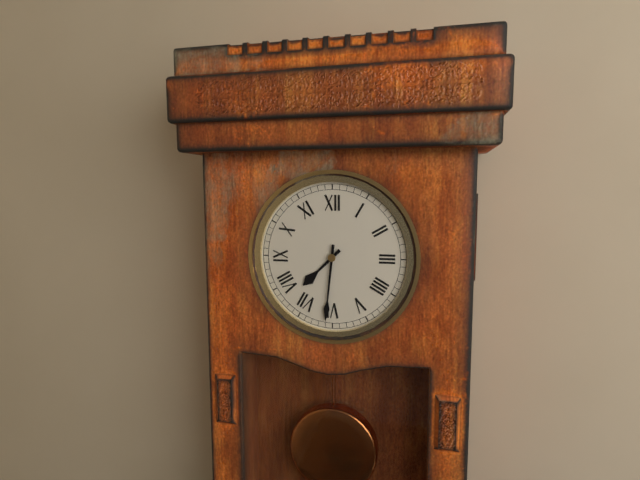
7,31
